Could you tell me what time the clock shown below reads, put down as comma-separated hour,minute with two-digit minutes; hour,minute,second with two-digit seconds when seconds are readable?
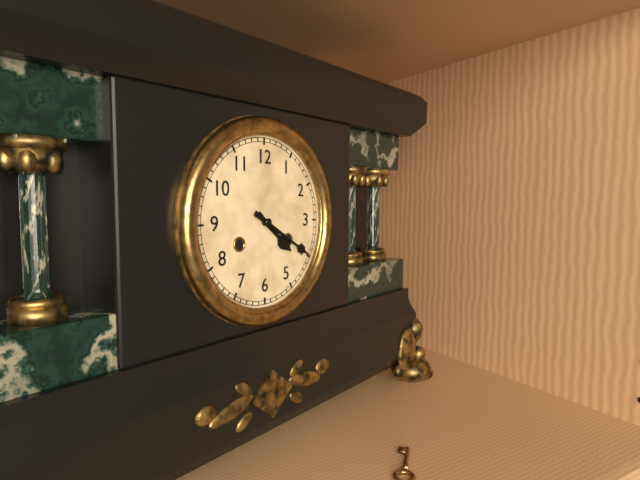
4,20
